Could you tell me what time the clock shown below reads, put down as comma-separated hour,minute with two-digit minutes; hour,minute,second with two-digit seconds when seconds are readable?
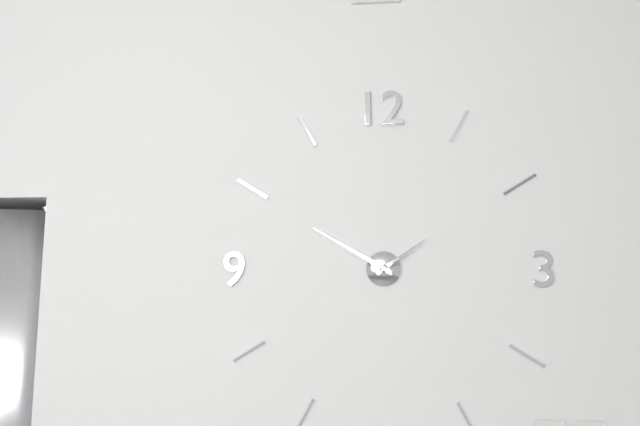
1,50
